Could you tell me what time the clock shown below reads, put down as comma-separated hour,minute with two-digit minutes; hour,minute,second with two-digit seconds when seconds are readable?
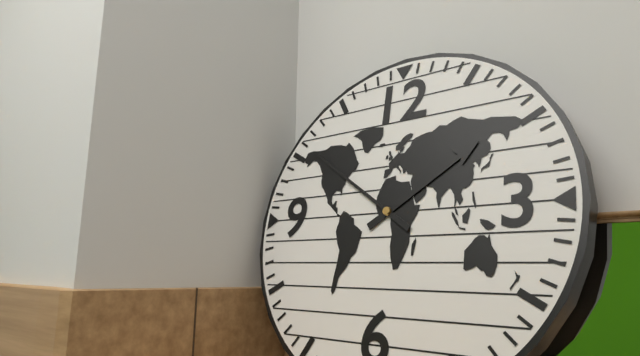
1,51
